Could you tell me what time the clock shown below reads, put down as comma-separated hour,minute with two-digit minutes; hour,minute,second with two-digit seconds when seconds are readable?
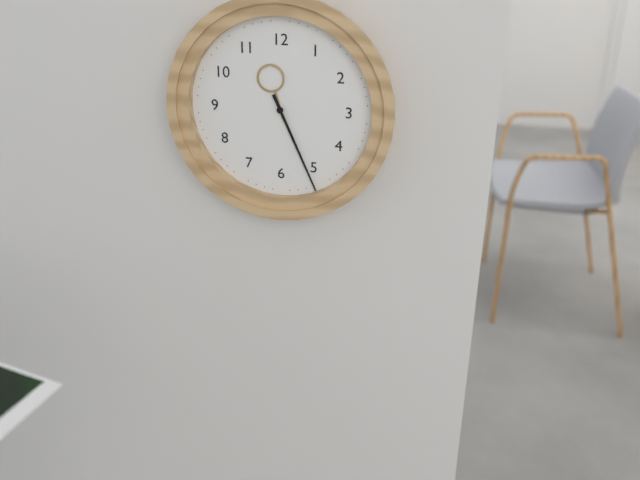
11,26
